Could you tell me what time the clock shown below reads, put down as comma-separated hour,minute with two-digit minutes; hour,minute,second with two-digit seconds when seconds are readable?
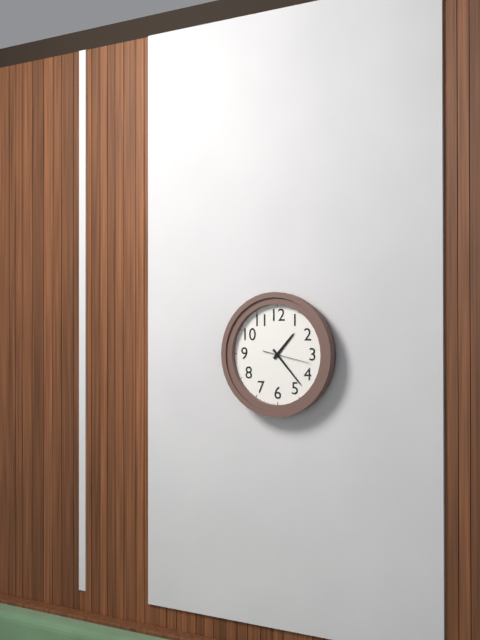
1,23
